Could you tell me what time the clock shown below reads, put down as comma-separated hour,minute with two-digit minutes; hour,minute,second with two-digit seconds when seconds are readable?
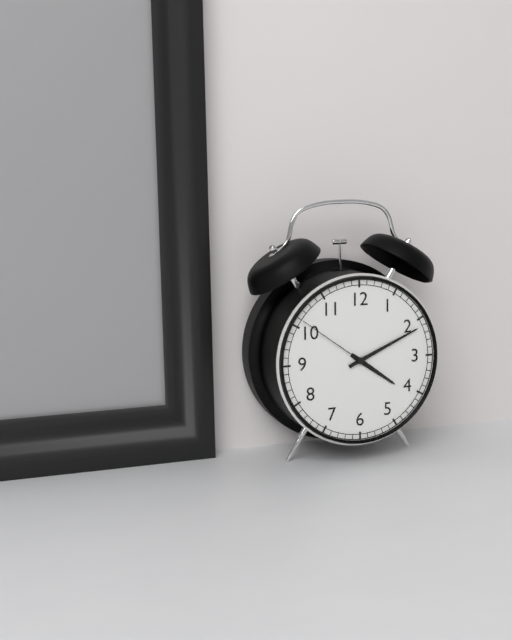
4,11,51
